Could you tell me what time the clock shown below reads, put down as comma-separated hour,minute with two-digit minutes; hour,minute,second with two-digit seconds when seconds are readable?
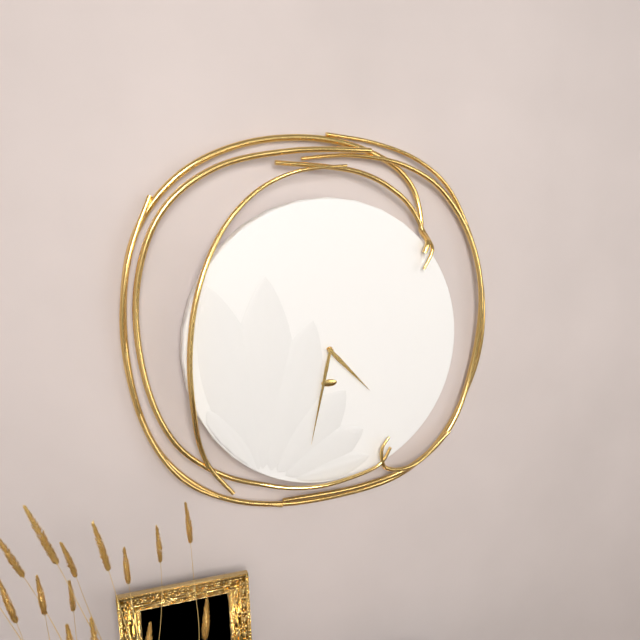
4,32
